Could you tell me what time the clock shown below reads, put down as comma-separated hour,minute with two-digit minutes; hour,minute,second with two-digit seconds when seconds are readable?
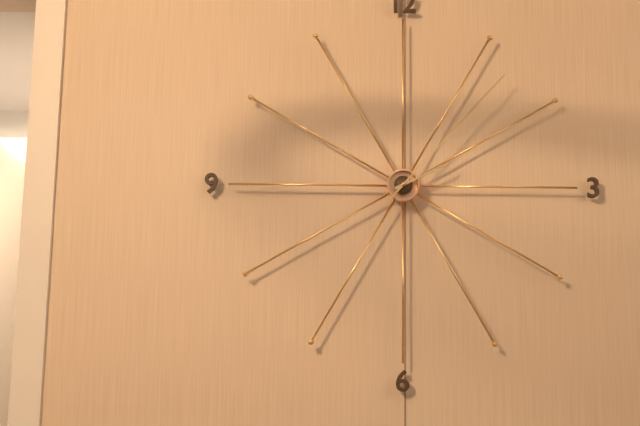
2,07
